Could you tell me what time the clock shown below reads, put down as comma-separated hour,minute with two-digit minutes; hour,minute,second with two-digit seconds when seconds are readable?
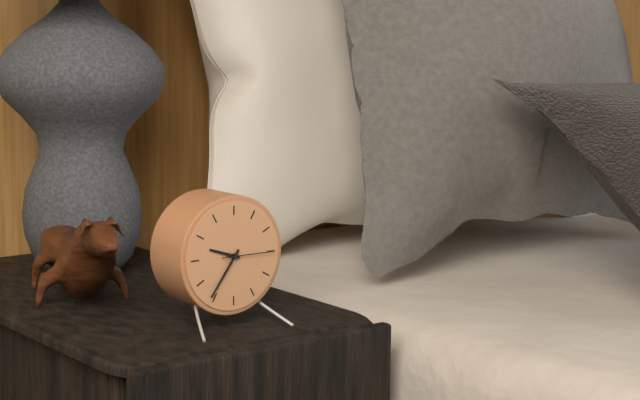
9,36,15
